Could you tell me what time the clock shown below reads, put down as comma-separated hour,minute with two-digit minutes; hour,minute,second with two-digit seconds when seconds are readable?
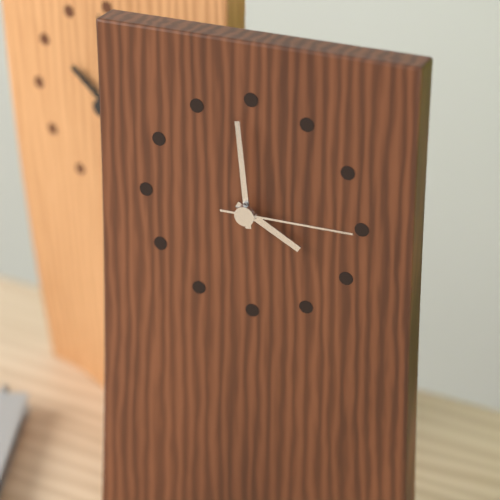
3,59,15
